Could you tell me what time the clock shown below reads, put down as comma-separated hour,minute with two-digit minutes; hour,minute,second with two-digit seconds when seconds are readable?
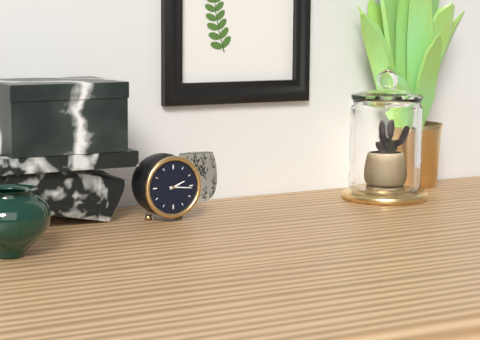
2,16
